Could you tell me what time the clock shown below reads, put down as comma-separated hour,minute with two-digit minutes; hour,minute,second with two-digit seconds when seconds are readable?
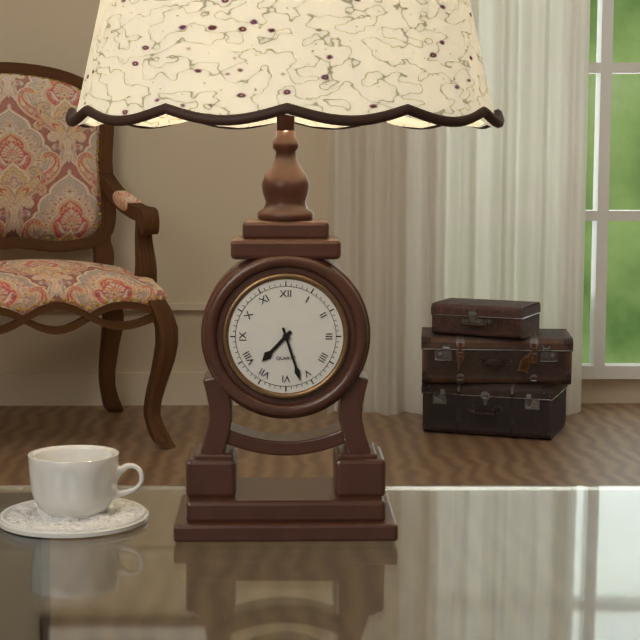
7,27
